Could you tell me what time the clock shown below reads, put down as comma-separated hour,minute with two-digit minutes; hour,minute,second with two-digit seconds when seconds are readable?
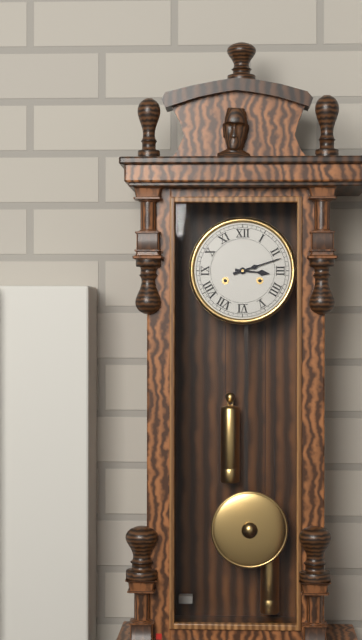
3,12
